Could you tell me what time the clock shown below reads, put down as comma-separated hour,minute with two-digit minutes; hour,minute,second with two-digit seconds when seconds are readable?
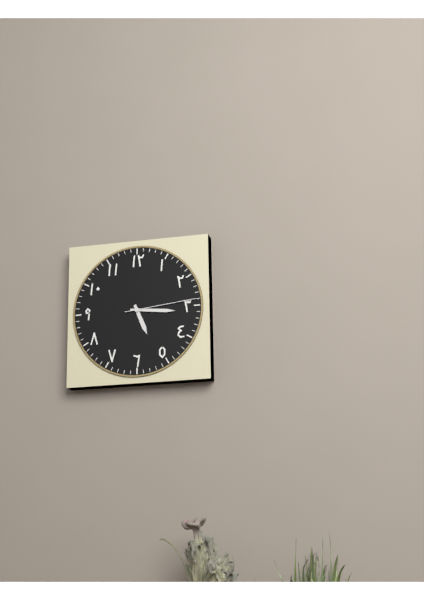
5,16,14
